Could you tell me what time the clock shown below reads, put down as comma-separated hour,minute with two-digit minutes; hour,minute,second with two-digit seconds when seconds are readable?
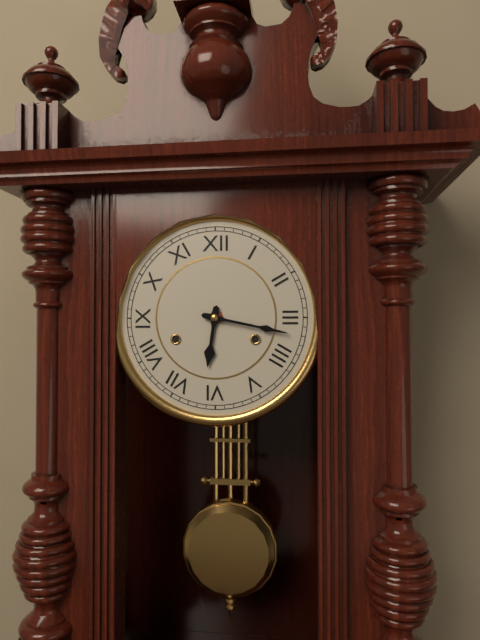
6,17
